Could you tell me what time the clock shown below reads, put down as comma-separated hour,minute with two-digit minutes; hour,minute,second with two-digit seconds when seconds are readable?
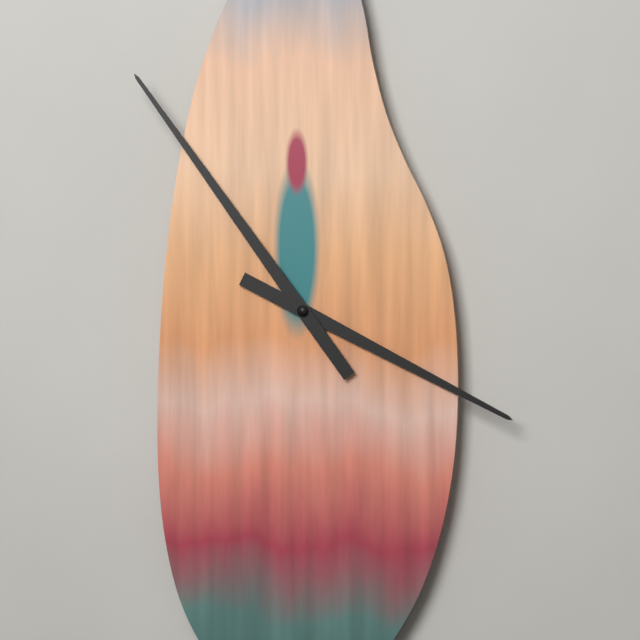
3,54
